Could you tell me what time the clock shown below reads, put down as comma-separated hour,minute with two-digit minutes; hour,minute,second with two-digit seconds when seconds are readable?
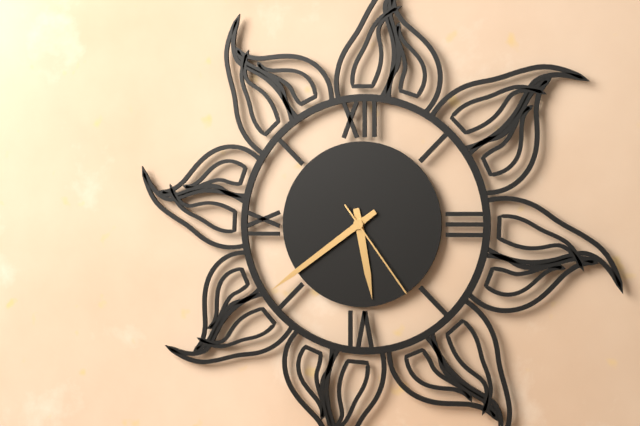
5,39,24
